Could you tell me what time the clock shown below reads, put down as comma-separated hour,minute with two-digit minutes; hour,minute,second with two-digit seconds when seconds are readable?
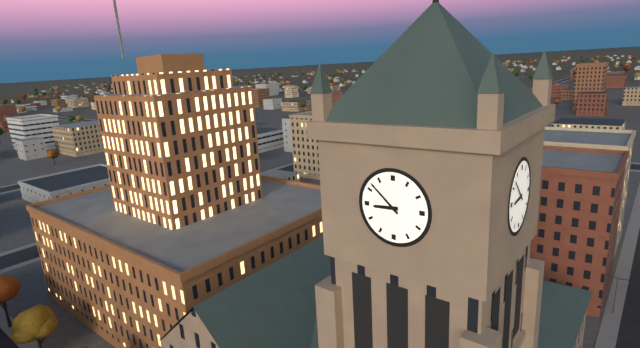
8,52
